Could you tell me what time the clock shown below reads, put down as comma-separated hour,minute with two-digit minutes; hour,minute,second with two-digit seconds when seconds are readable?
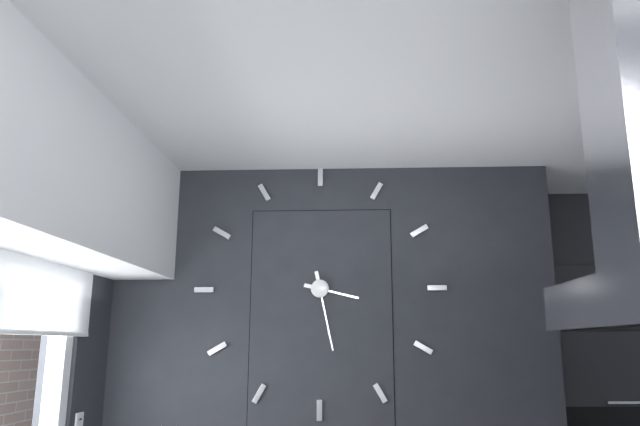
3,28
